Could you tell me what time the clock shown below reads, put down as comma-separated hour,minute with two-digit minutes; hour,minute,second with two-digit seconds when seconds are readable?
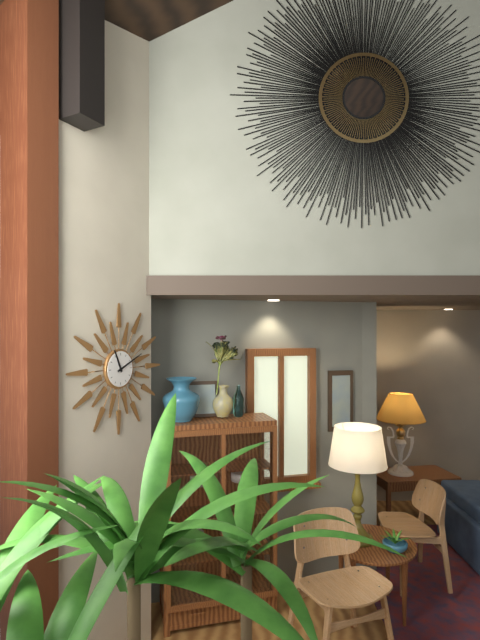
11,11
